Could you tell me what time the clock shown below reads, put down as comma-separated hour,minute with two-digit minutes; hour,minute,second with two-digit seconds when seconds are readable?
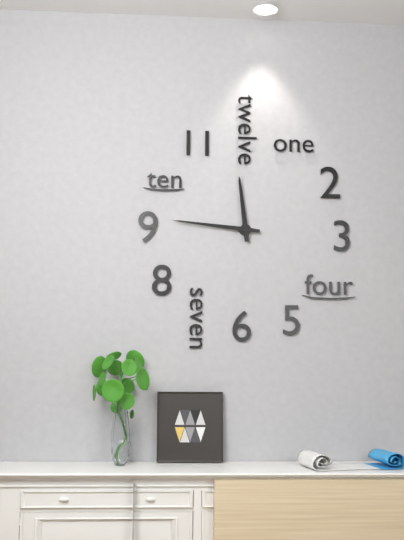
11,46
